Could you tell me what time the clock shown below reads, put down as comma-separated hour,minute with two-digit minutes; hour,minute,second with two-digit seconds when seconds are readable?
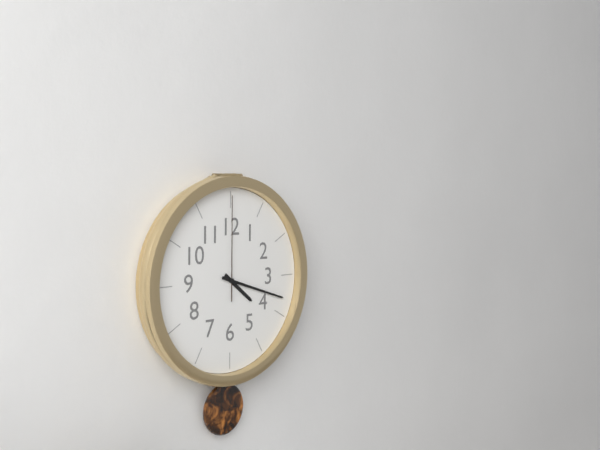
4,18,00
